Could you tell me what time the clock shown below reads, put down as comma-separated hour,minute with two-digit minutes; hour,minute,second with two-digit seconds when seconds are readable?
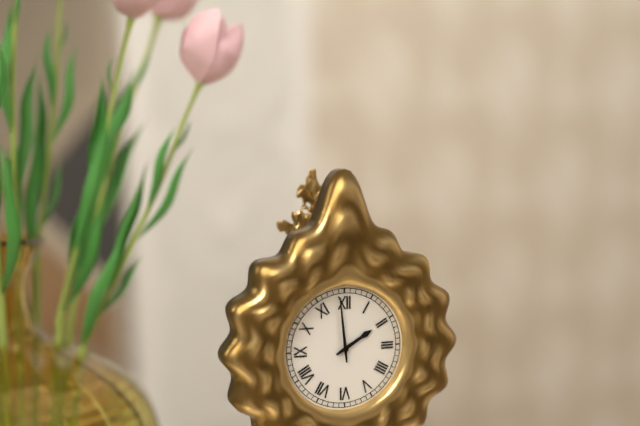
1,59
